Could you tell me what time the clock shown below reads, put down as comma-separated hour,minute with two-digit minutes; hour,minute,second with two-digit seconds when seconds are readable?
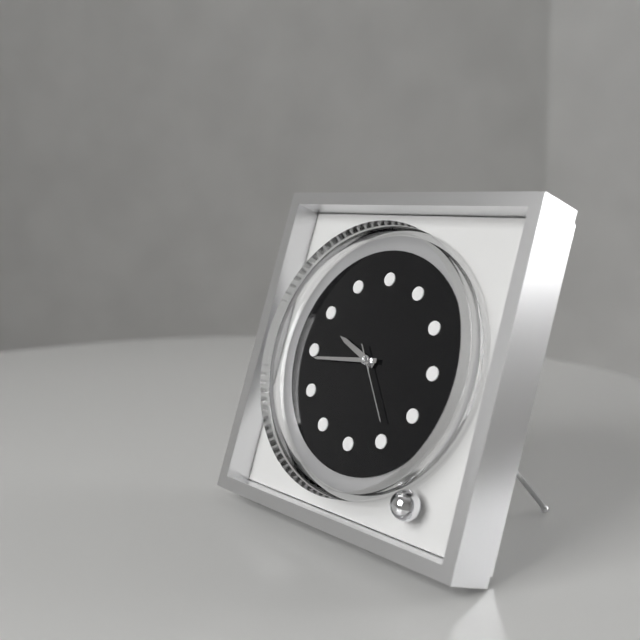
9,44,24
